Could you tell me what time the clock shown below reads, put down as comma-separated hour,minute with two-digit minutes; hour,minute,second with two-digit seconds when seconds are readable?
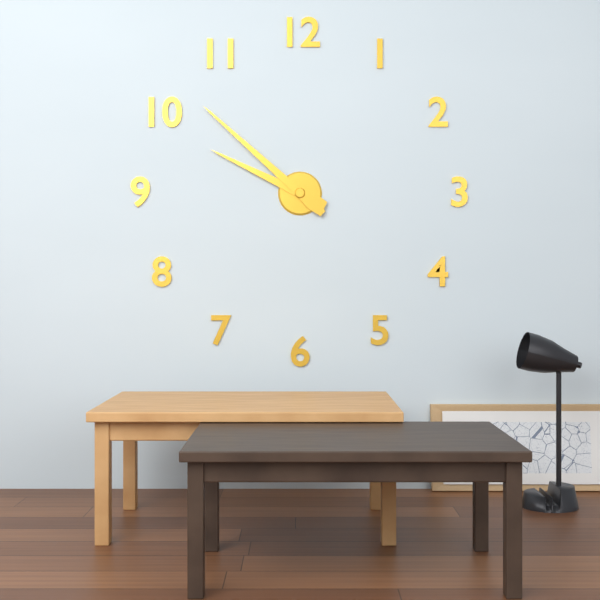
9,52
